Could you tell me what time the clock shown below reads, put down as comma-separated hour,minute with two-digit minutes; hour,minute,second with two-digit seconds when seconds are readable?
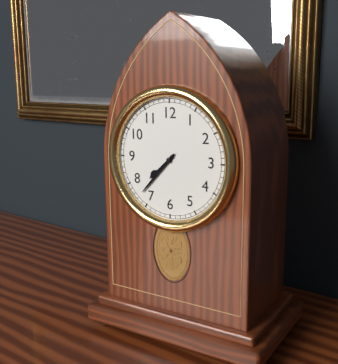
7,37
